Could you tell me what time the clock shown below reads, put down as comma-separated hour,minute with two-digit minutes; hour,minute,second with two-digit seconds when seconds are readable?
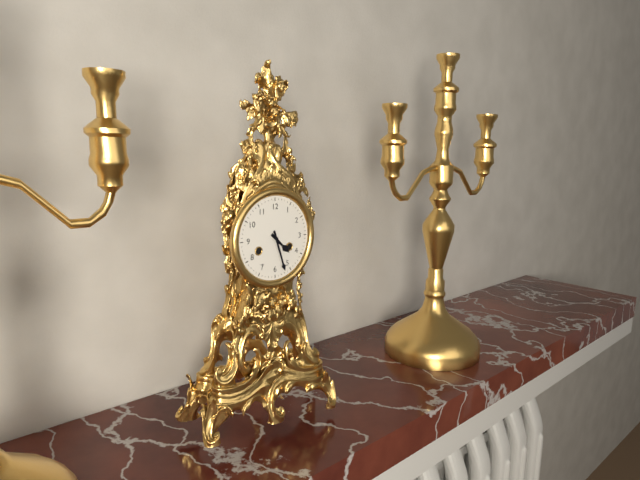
4,27
